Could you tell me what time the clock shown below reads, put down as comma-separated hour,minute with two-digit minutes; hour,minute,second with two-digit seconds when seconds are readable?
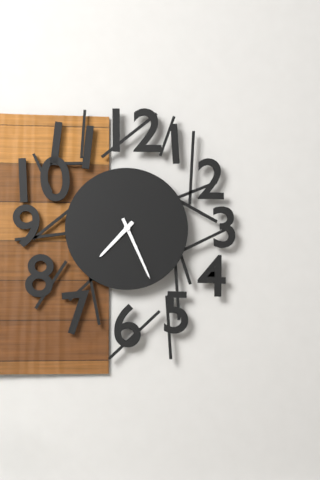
7,26
